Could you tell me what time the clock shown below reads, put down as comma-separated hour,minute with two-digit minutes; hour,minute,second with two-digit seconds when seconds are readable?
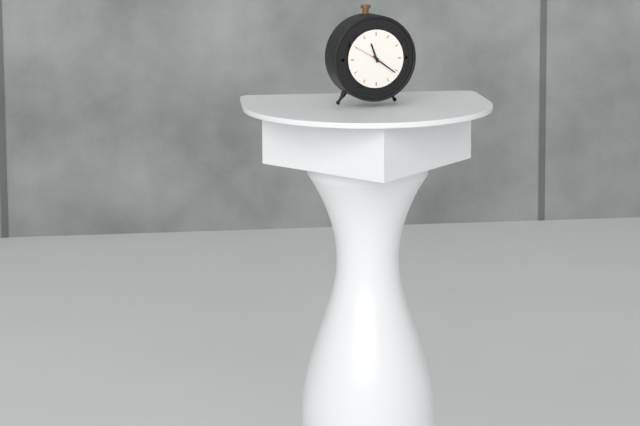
11,21
